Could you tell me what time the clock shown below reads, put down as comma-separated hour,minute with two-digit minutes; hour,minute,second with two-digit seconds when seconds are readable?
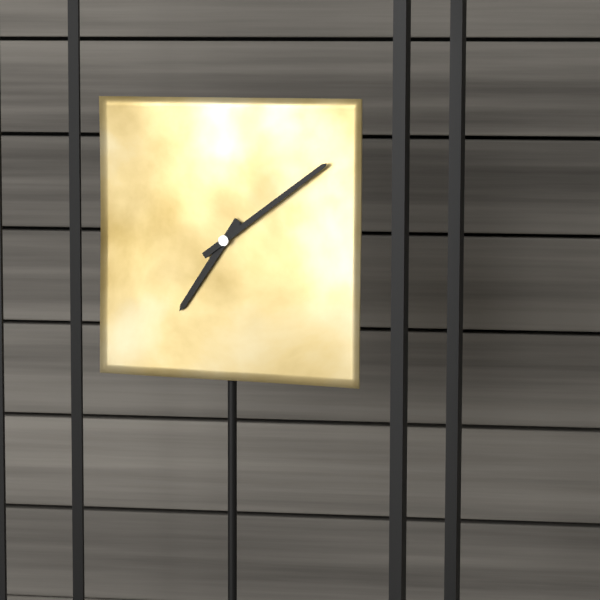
7,09
